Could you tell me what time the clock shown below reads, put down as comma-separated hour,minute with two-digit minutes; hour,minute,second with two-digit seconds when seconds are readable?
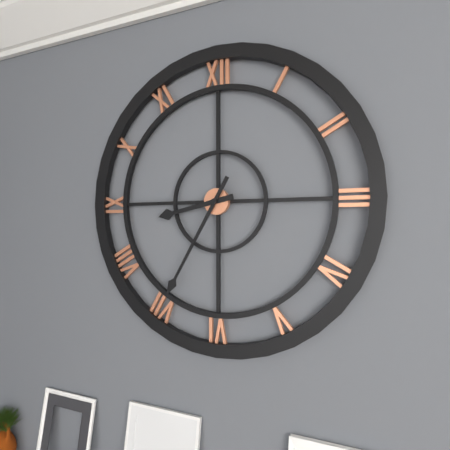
8,35
